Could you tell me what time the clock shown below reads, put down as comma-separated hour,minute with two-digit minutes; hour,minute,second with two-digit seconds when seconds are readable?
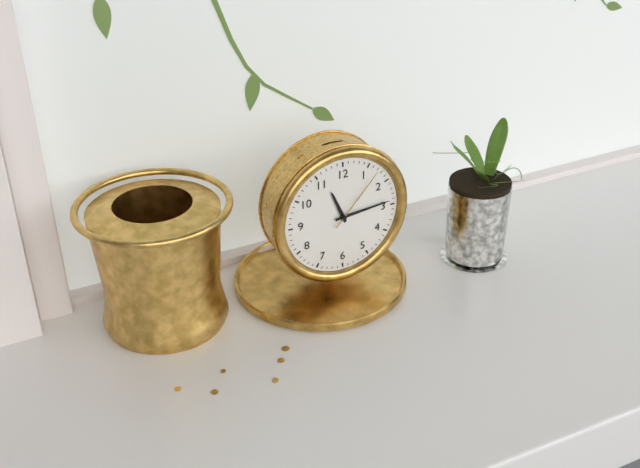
11,14,07
